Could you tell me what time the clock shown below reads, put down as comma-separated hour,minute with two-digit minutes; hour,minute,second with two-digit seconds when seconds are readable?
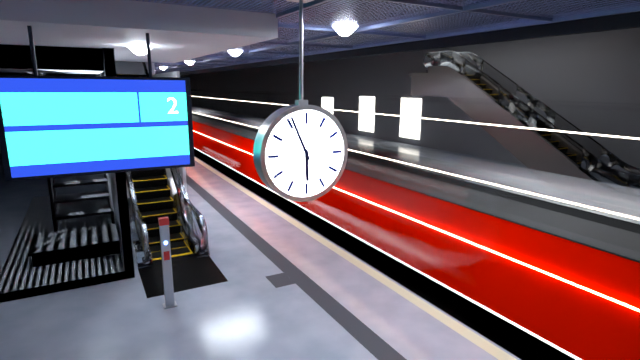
5,56
